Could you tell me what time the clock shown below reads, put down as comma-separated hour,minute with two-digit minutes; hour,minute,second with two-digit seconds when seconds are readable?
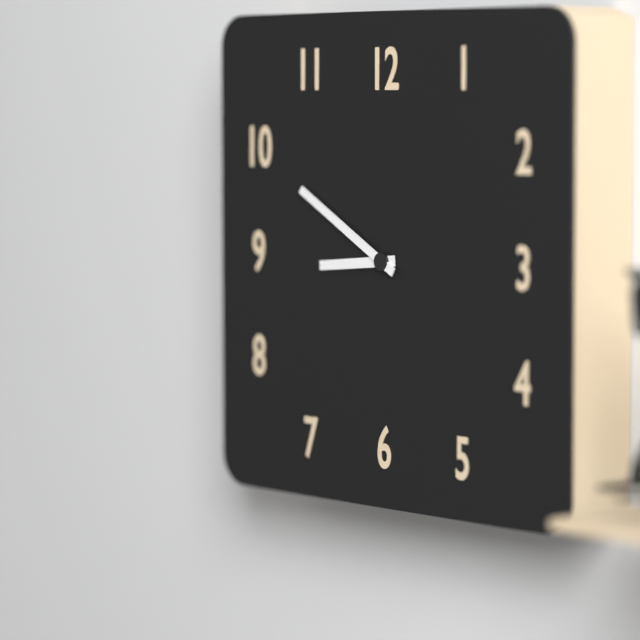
8,50
